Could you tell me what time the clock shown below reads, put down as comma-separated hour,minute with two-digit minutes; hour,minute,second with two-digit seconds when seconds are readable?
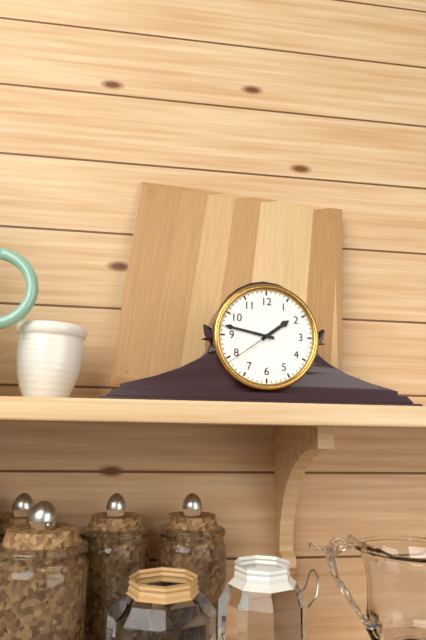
1,47,39
